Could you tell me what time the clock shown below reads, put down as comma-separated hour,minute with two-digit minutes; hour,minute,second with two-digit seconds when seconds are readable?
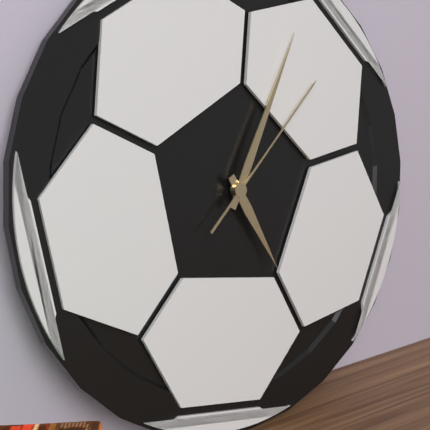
5,05,08
